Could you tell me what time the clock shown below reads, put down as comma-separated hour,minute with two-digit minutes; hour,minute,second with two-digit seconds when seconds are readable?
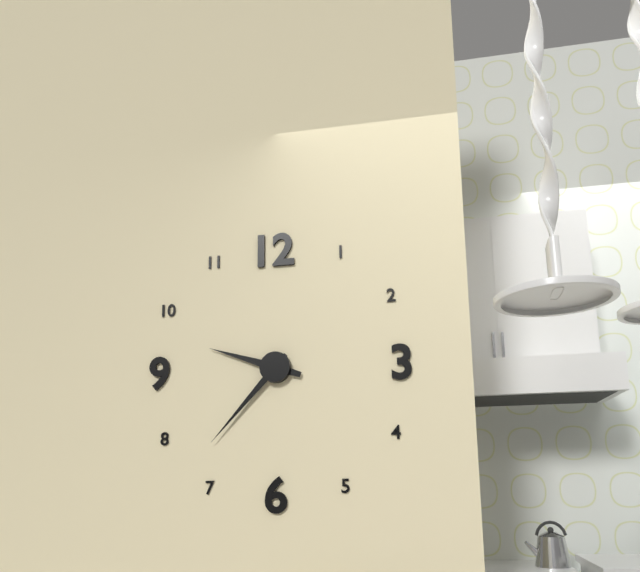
9,37
